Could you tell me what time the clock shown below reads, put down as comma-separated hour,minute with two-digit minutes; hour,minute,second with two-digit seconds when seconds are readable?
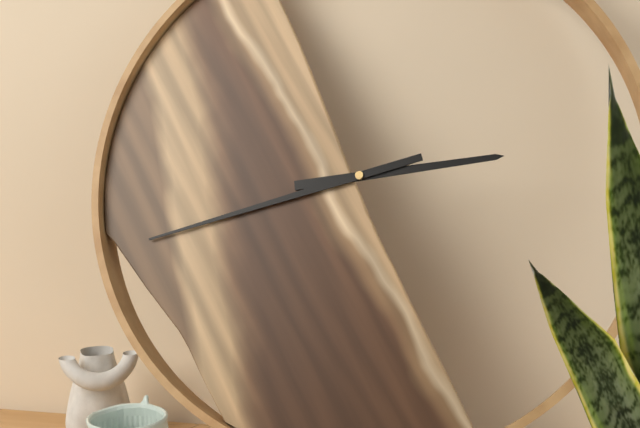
2,42
